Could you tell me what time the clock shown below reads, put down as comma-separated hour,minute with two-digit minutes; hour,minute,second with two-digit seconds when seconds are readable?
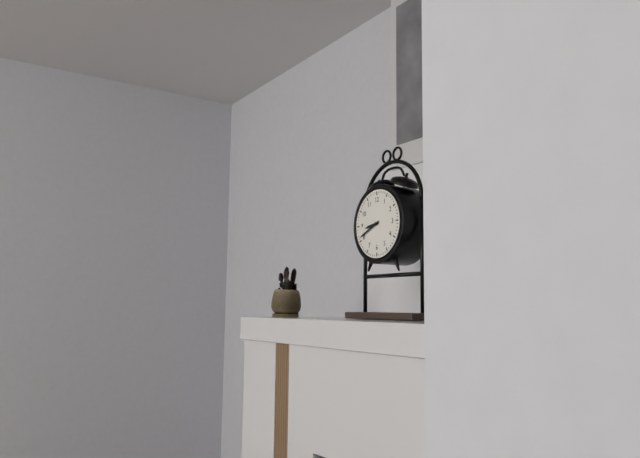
8,41
